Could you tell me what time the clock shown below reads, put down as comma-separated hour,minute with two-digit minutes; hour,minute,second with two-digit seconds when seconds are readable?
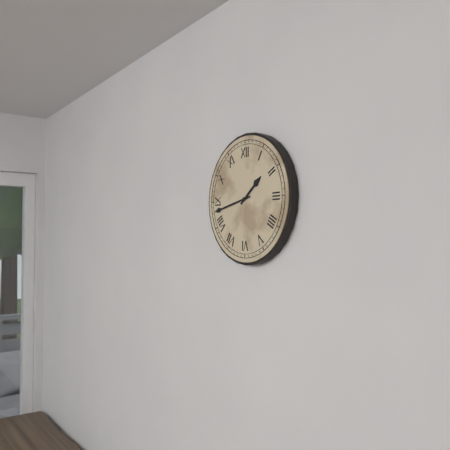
1,43
